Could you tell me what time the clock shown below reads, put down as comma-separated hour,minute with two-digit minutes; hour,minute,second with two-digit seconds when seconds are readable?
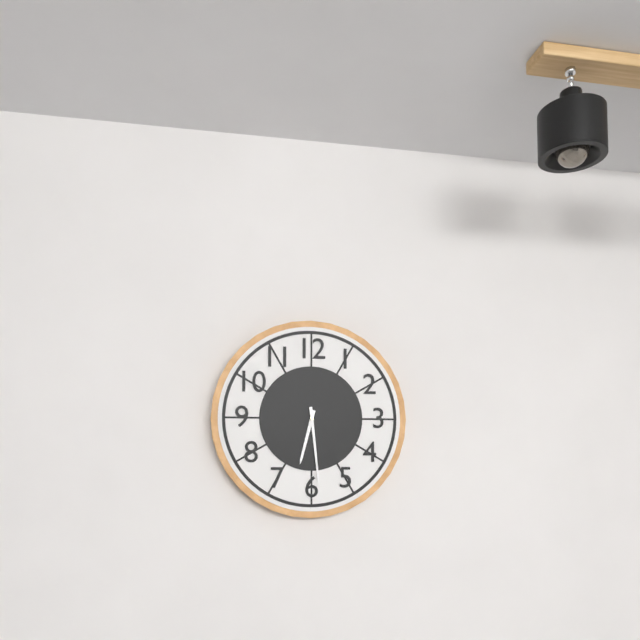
6,29
